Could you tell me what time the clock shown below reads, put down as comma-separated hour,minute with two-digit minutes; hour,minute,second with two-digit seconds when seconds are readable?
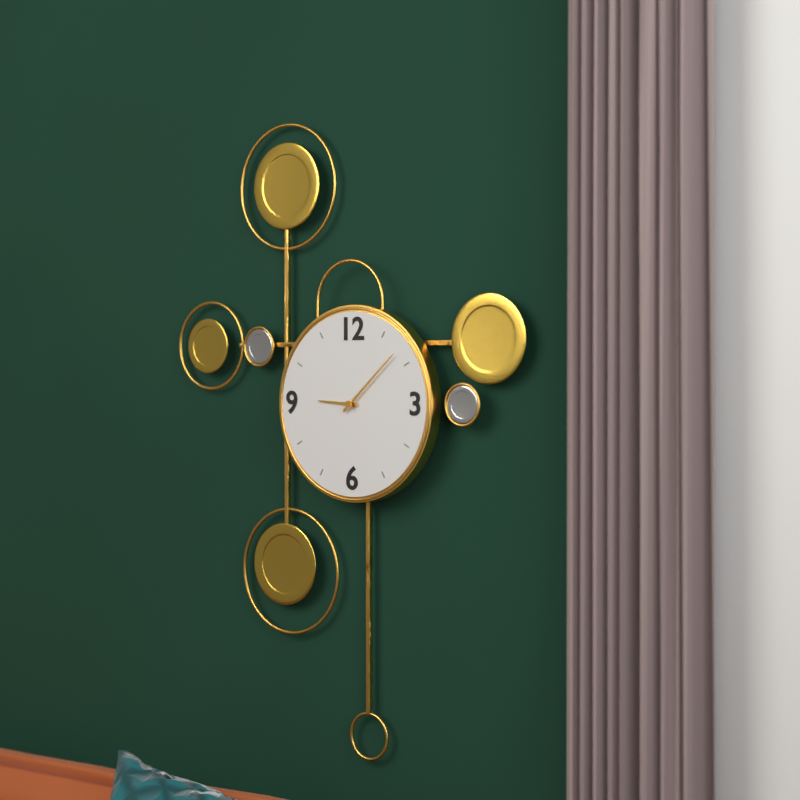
9,08
